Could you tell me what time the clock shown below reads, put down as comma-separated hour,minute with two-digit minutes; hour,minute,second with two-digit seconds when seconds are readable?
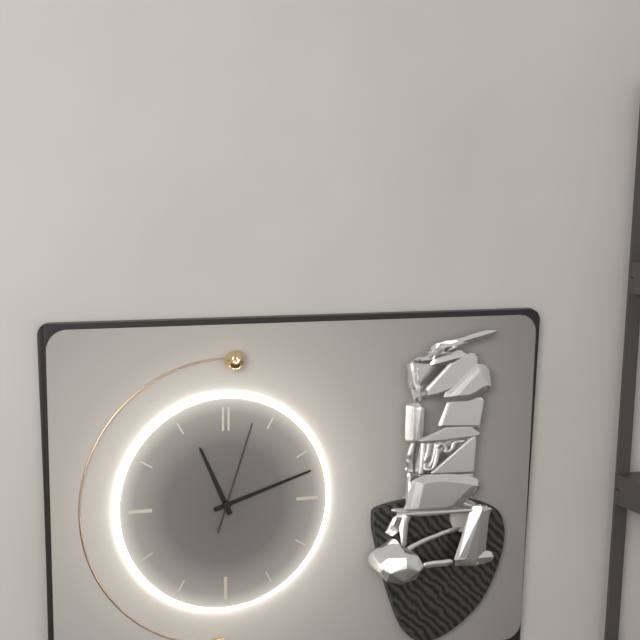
11,12,03
